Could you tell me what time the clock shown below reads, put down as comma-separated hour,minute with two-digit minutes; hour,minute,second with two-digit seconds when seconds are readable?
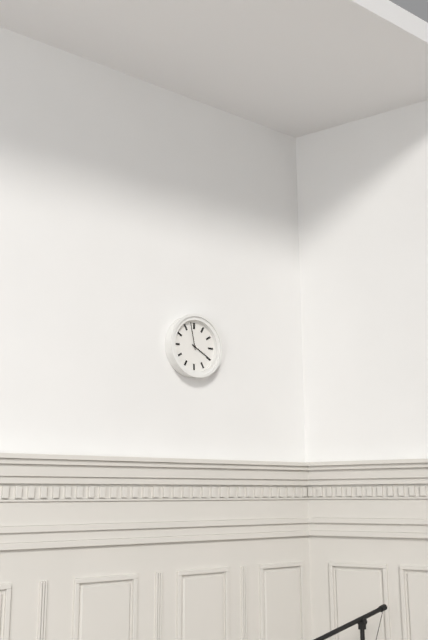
3,58
